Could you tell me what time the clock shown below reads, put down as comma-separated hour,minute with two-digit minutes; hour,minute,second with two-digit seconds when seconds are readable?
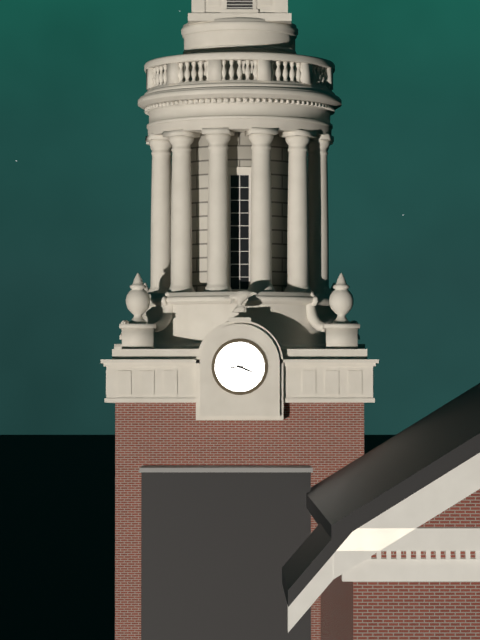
3,44
